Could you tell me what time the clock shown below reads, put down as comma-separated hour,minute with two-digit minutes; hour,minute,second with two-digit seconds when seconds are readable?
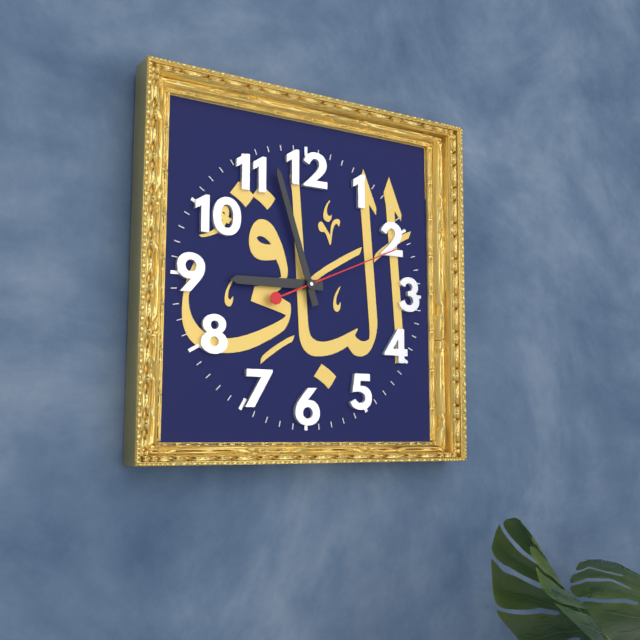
8,57,11
